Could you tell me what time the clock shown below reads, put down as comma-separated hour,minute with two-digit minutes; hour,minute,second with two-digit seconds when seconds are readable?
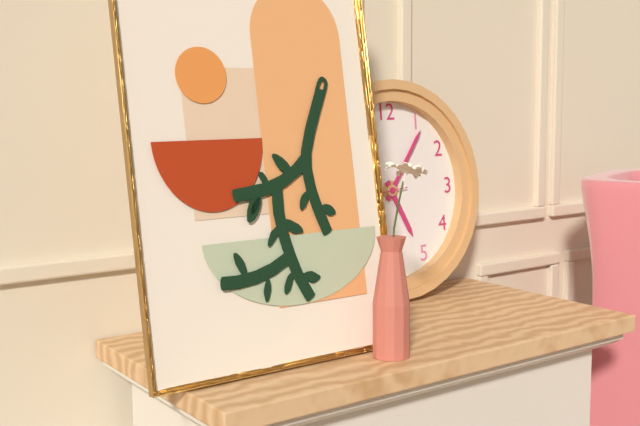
5,06
